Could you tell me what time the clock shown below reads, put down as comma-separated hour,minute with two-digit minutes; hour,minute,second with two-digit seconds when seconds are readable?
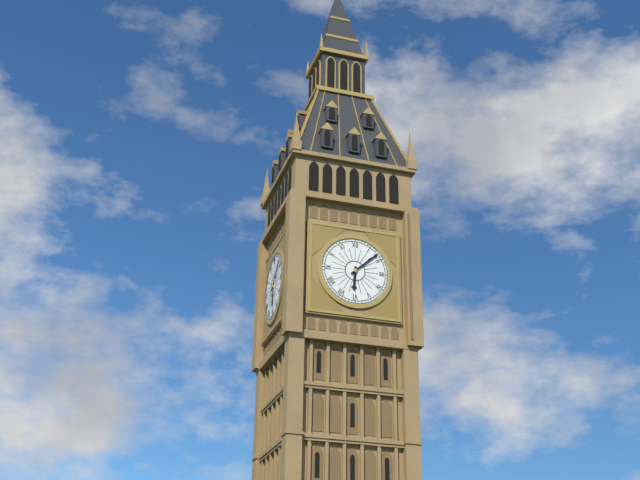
6,08
